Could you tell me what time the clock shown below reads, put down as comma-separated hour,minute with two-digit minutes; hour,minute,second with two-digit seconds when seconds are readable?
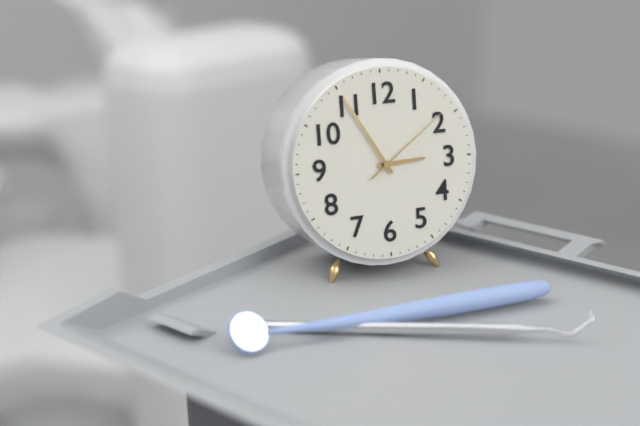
2,55,09
